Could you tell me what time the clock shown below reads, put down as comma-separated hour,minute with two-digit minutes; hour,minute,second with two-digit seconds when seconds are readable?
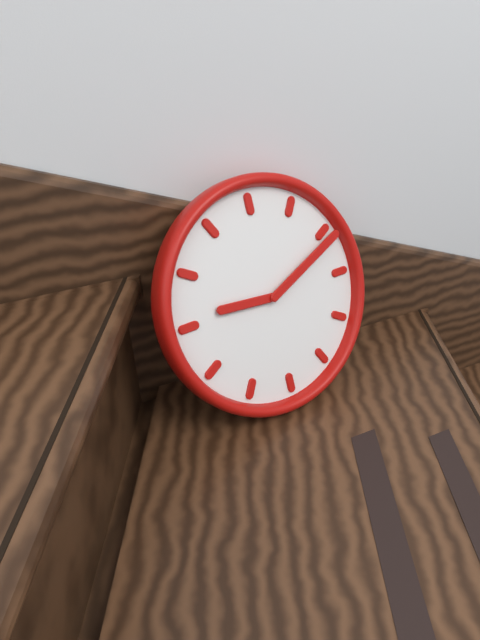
9,11
